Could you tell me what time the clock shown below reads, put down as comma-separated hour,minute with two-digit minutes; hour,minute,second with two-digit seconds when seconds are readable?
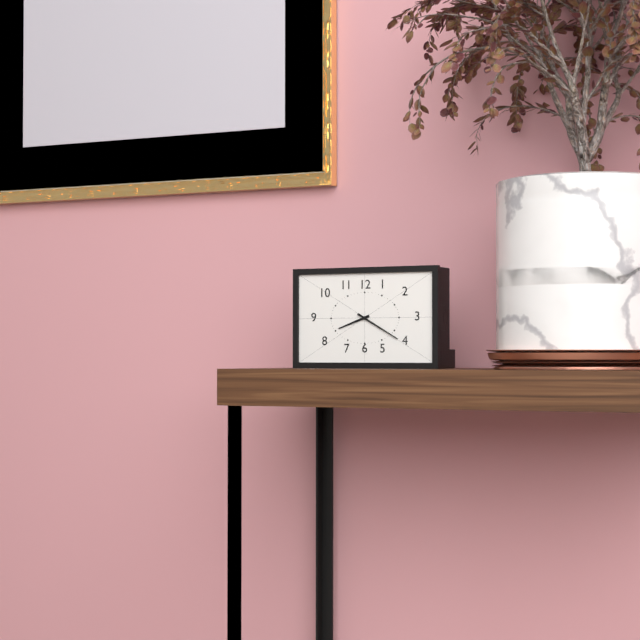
8,20
